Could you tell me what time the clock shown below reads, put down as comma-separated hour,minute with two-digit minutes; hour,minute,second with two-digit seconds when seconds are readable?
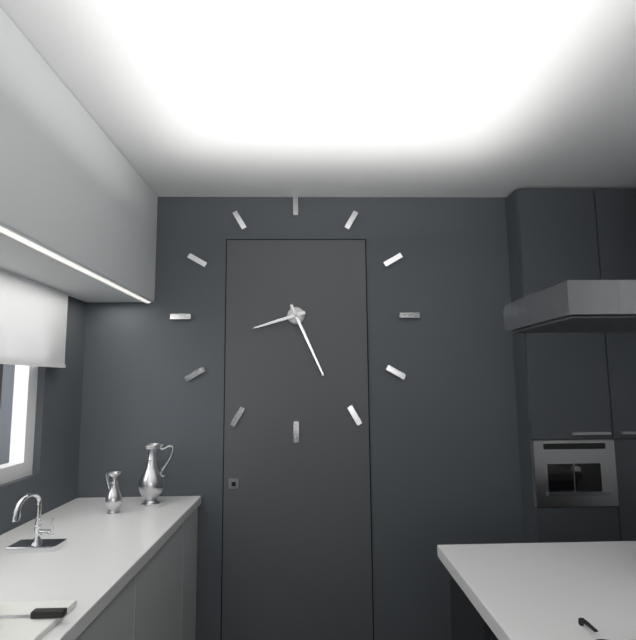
8,26
